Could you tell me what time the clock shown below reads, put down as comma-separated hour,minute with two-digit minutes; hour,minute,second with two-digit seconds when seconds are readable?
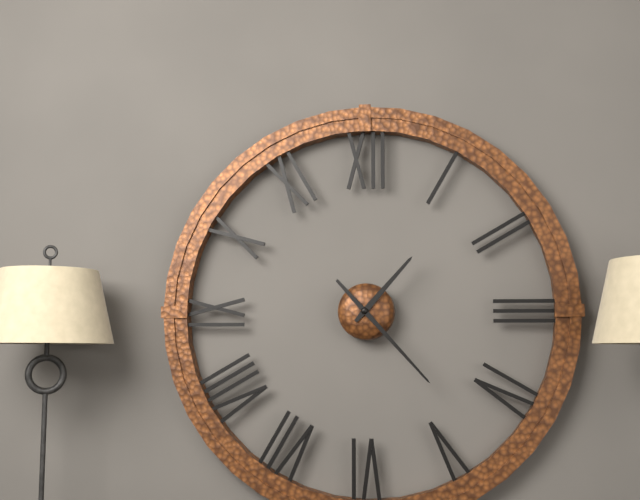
1,23
